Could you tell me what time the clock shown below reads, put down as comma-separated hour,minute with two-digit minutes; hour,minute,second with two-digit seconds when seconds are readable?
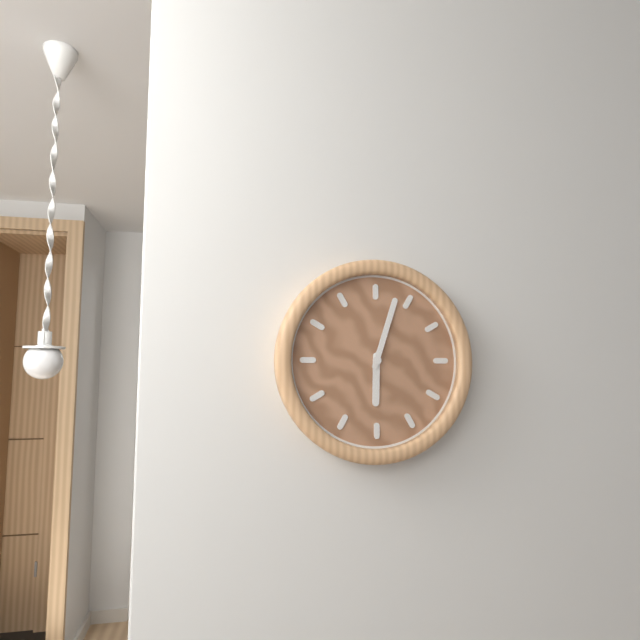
6,03
